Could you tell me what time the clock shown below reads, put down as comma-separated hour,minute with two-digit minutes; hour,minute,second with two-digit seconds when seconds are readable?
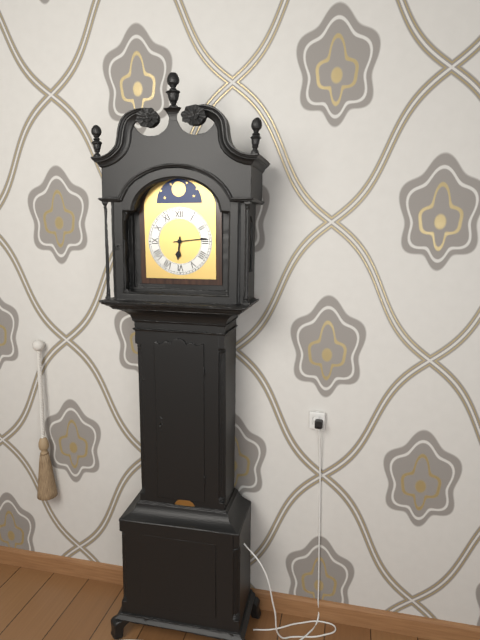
6,14
